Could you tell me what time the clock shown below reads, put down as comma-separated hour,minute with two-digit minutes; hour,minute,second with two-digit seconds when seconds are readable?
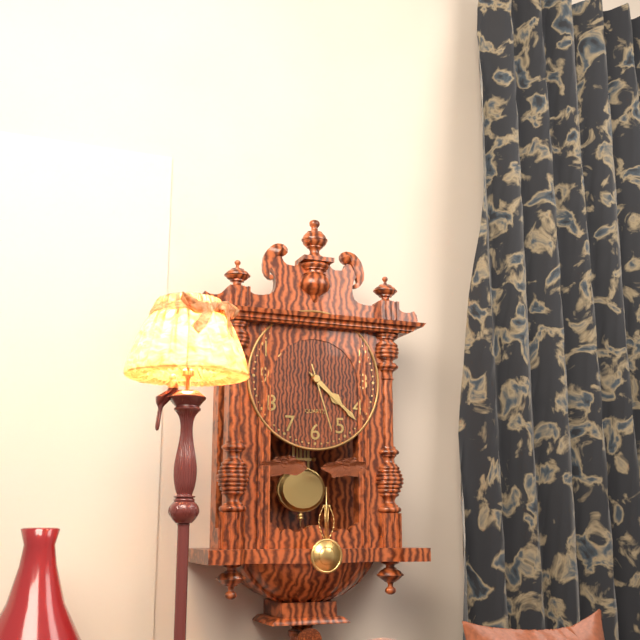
4,22,27
